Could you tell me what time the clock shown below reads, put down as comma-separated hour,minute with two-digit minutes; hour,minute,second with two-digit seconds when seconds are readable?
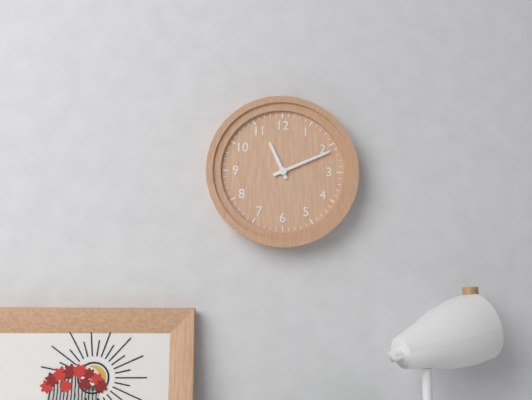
11,11
